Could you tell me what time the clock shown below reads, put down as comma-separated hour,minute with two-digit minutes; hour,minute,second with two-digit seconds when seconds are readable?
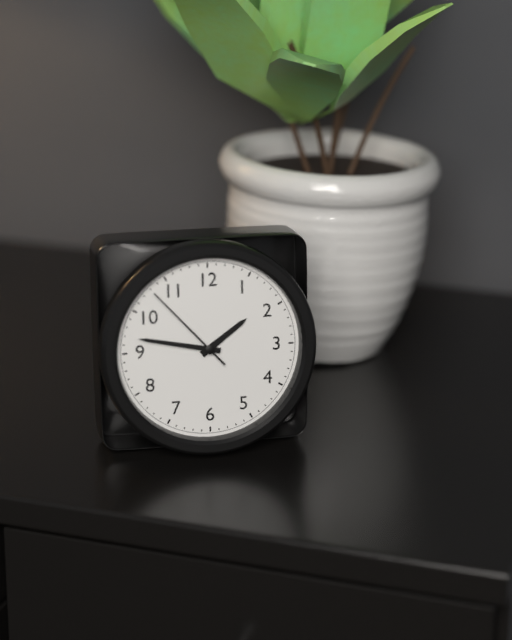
1,47,53
